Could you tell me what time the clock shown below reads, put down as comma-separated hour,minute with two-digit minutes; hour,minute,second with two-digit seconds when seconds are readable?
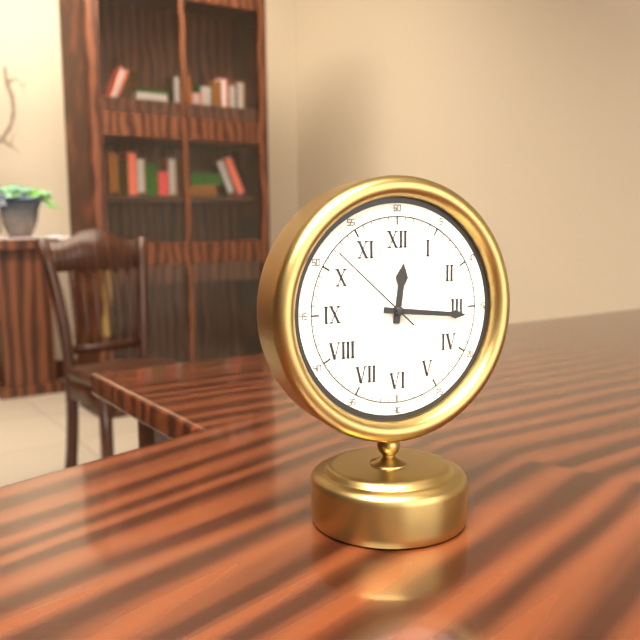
12,16,52
